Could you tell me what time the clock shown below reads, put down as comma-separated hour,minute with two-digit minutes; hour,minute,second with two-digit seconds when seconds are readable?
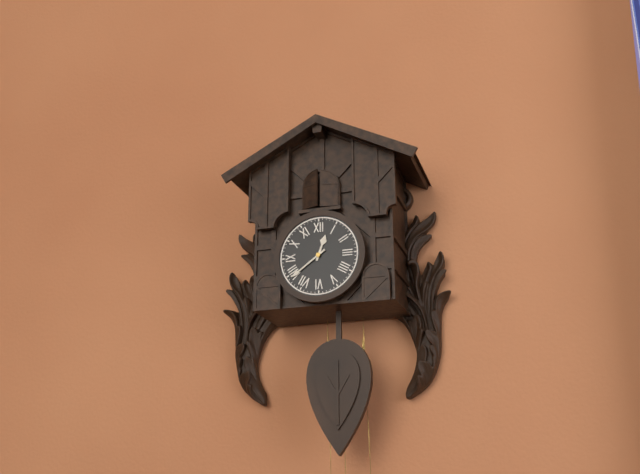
12,39
